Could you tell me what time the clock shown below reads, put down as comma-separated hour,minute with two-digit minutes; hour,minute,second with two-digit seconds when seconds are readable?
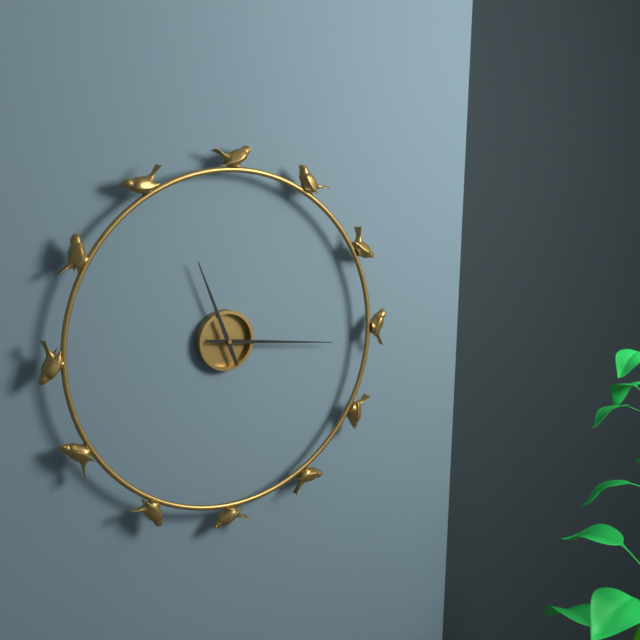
11,16
